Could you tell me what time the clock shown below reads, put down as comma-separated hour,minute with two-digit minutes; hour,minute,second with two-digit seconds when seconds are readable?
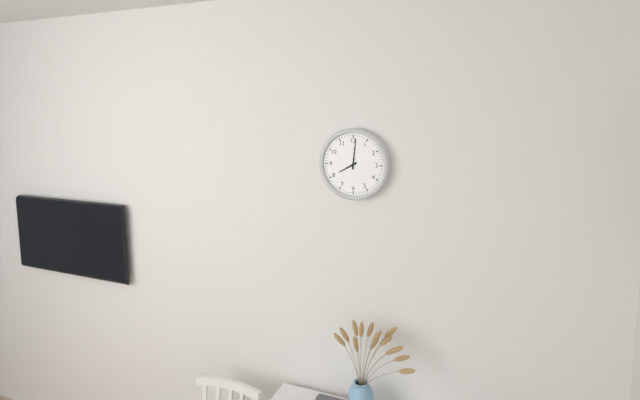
8,01
